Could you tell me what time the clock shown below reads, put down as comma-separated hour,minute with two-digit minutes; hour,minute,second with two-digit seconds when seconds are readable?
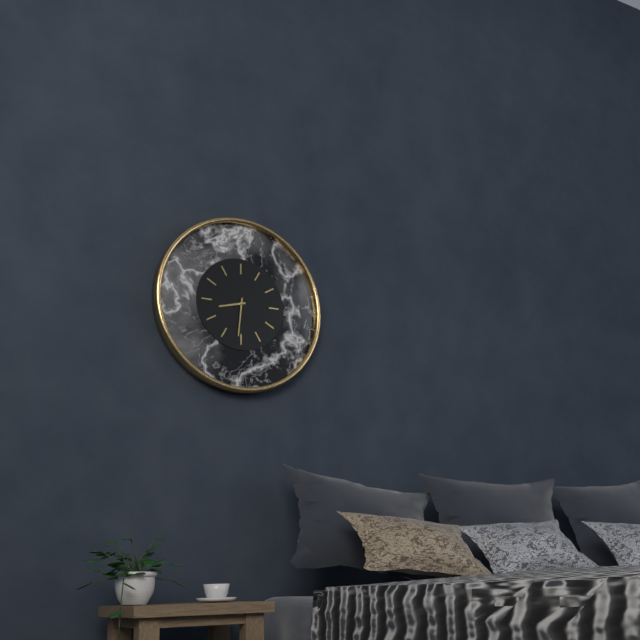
8,31
